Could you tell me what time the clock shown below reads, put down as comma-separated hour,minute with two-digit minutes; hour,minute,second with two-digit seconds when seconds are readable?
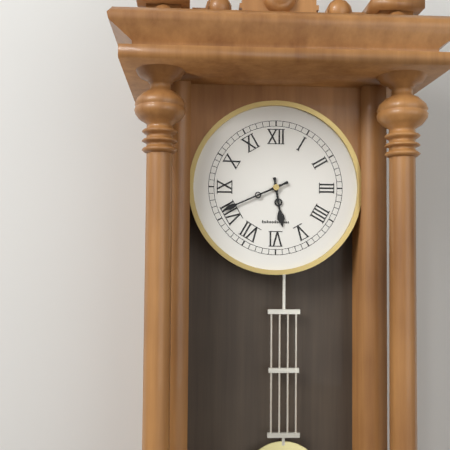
5,41
